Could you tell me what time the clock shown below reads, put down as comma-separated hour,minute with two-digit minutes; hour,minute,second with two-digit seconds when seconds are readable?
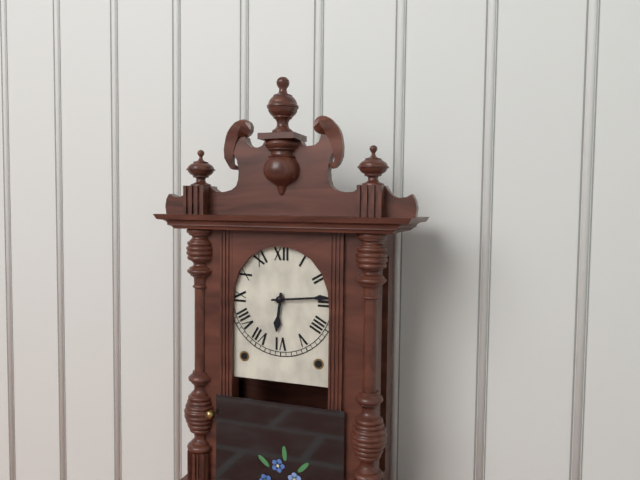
6,14
